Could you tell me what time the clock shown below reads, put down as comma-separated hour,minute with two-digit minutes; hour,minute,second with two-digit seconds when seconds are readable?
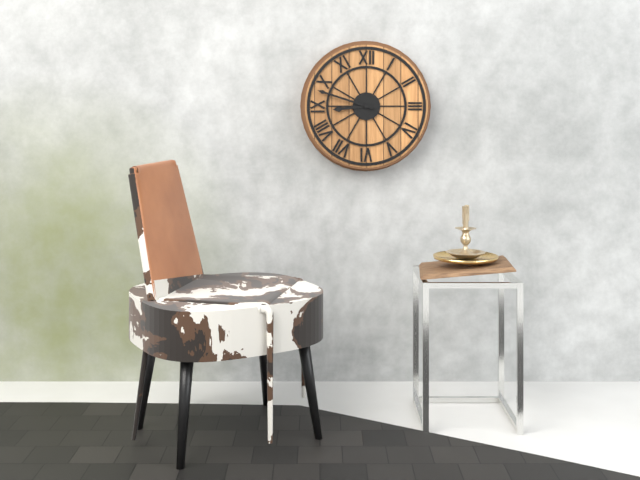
8,48
